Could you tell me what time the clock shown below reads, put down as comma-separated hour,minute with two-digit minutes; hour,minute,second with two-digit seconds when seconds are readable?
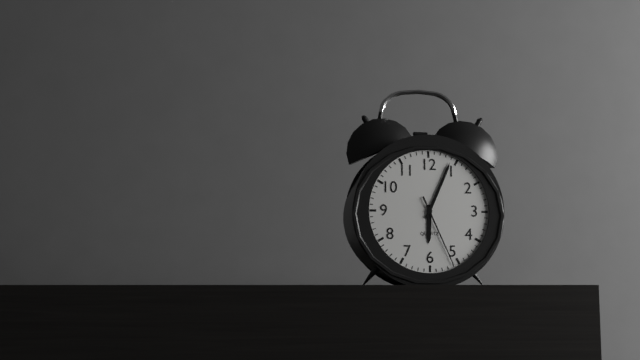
6,04,26
